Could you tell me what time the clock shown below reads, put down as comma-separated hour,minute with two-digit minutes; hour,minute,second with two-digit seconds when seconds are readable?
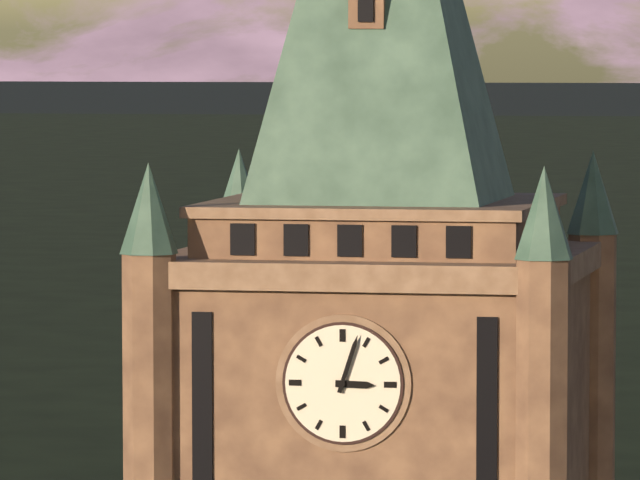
3,03
